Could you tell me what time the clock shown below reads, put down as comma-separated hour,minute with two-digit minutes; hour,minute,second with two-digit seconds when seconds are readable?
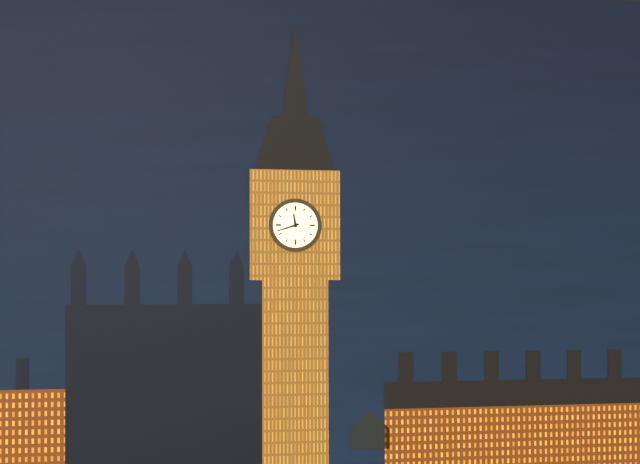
11,42
